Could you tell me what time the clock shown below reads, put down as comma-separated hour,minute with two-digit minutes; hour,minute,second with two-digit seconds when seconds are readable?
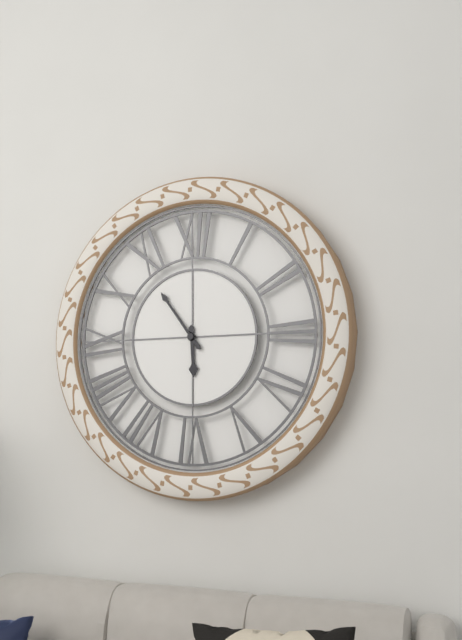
5,54
